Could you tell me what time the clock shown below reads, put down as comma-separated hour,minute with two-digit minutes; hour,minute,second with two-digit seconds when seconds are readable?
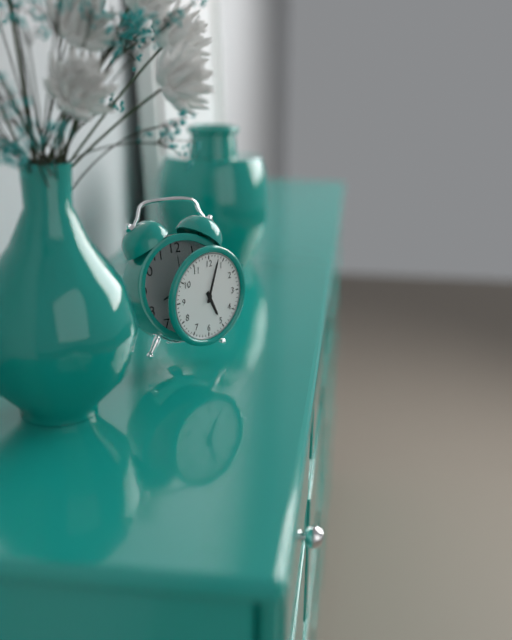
5,03
